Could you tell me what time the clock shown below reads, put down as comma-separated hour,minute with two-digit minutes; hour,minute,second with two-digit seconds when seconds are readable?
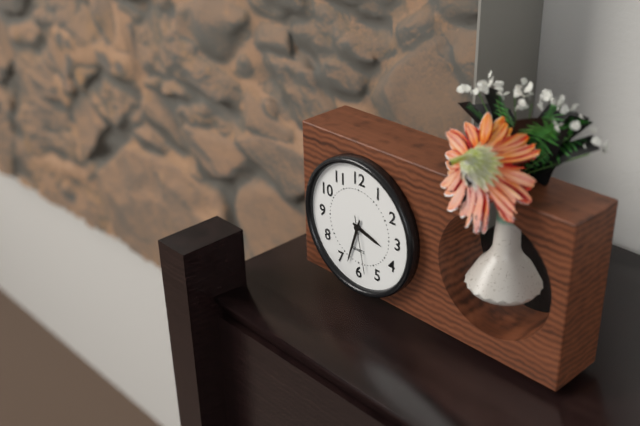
3,33,28
